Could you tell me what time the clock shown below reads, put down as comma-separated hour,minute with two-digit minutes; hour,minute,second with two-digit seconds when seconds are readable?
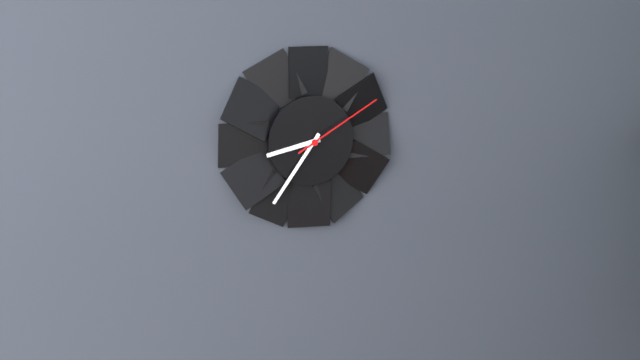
8,36,10
